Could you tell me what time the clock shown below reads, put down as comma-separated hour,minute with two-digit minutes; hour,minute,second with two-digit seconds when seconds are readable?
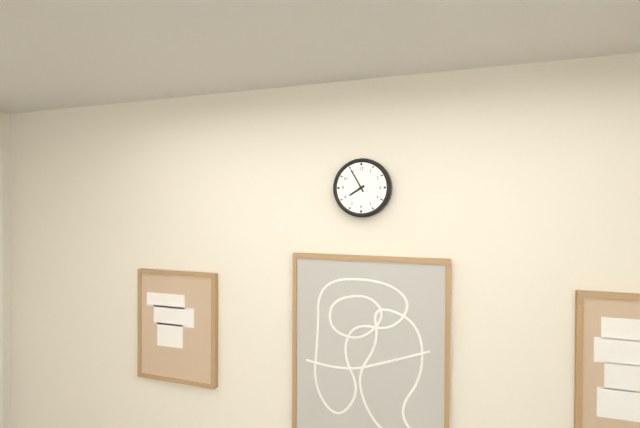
7,55
